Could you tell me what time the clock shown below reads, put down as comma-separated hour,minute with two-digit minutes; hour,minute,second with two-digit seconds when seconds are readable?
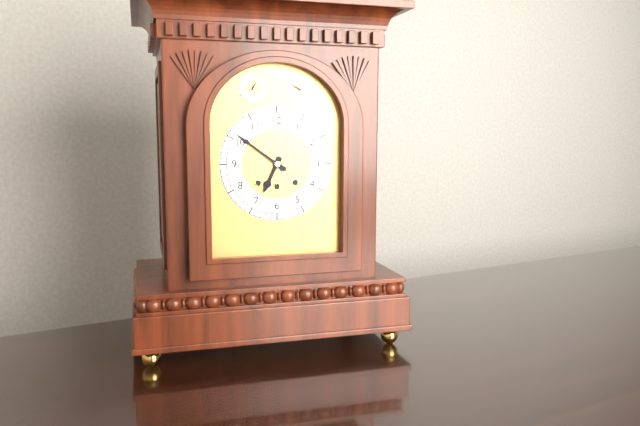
6,51
